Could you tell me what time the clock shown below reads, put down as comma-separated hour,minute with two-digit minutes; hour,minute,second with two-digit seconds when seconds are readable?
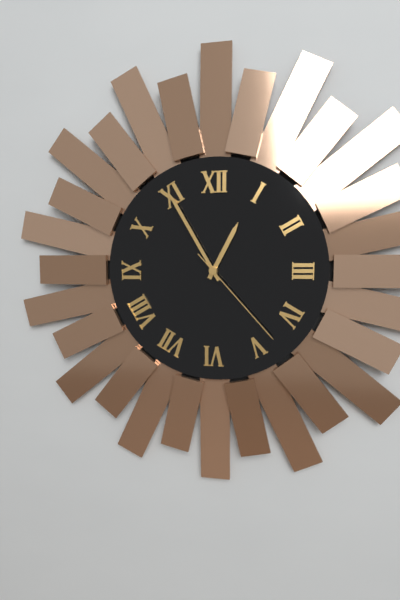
12,55,23
